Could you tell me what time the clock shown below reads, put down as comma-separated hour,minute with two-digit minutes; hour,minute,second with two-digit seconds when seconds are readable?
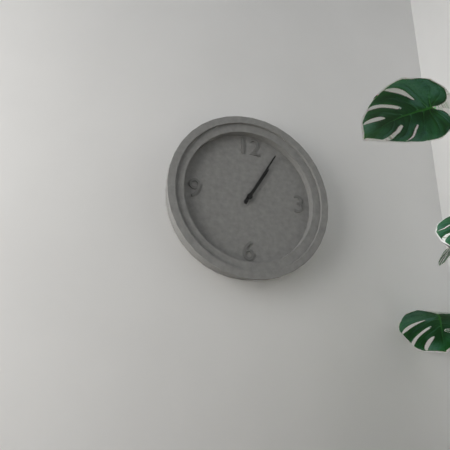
1,05
